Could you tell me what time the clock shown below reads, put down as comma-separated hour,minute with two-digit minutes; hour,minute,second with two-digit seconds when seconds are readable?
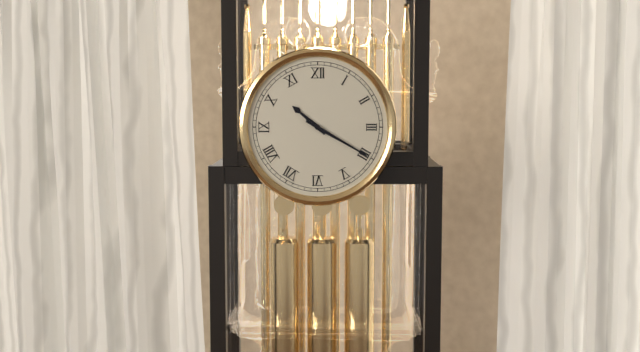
10,20
